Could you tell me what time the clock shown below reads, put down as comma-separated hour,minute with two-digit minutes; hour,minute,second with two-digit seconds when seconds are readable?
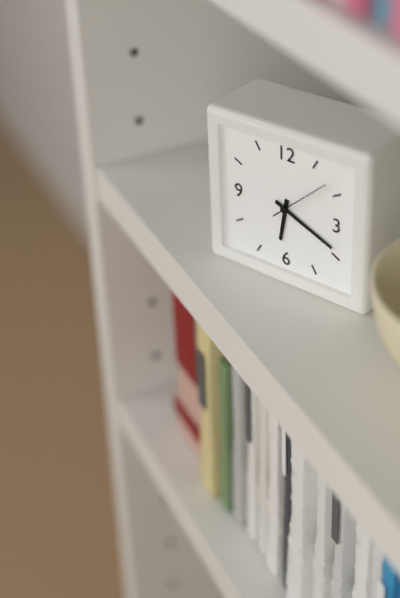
6,19,08
